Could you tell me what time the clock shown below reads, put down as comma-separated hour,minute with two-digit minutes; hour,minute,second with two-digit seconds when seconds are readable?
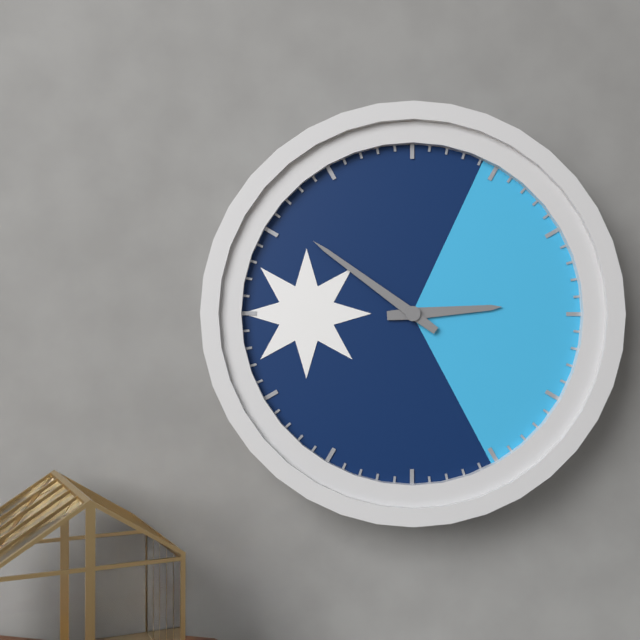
2,51
